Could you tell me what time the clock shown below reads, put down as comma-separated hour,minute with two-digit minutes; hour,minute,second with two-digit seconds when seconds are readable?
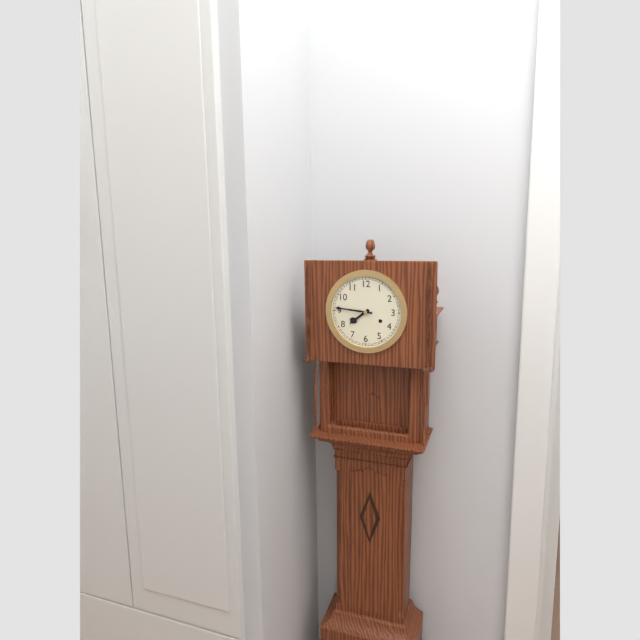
7,46
